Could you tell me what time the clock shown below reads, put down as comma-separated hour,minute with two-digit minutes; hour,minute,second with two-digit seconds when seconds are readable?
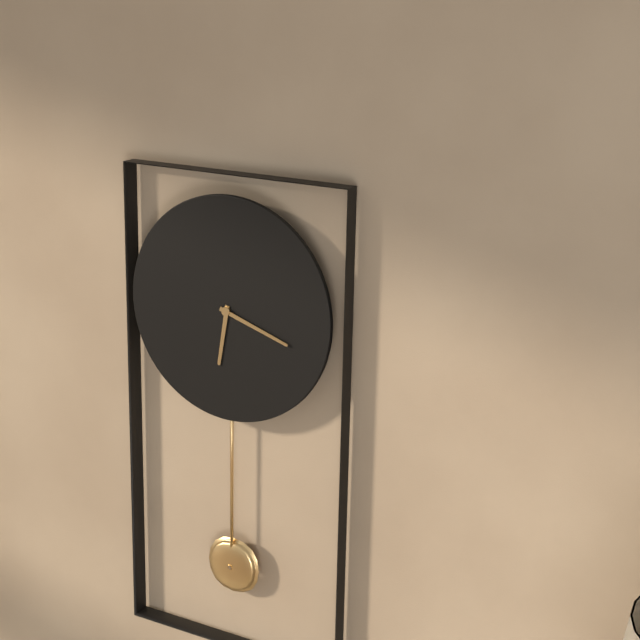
6,18
